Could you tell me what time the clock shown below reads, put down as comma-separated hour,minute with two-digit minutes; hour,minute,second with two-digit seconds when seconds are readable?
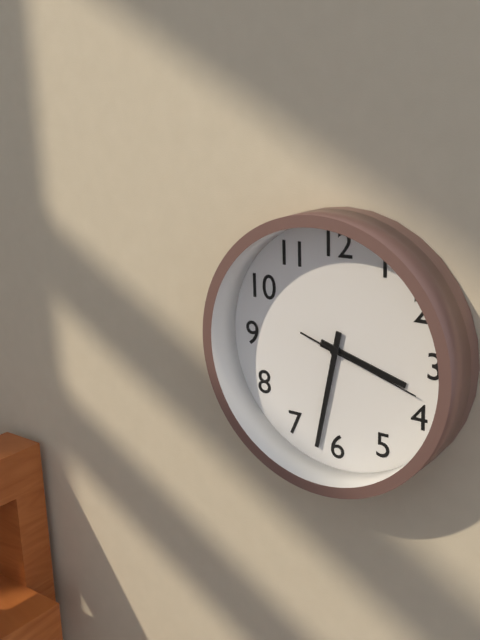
3,32,18
